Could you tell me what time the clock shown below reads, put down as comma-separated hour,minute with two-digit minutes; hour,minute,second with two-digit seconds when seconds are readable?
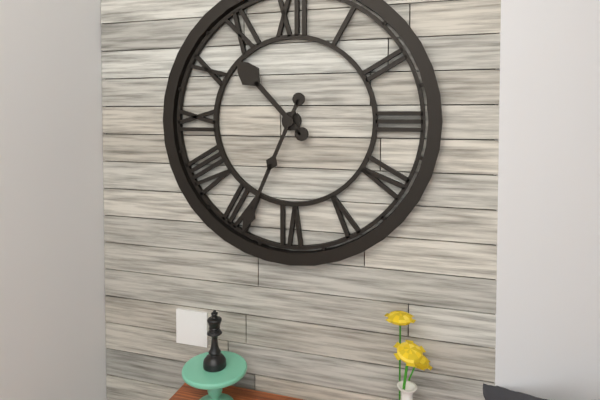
10,34
